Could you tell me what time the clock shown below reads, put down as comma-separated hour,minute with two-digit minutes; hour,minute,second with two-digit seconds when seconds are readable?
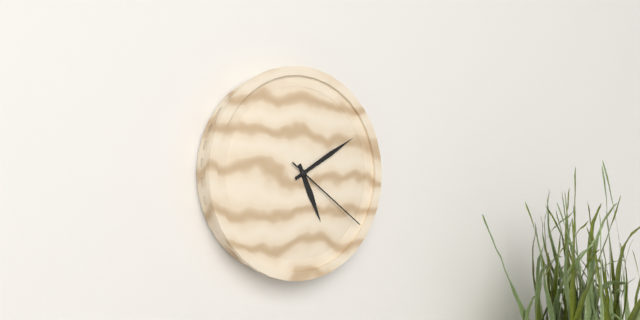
5,10,21
